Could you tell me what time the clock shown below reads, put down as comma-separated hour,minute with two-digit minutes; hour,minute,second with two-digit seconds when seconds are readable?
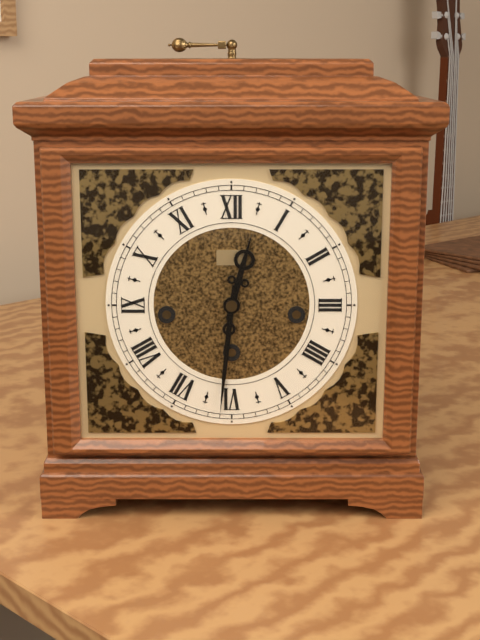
12,31
